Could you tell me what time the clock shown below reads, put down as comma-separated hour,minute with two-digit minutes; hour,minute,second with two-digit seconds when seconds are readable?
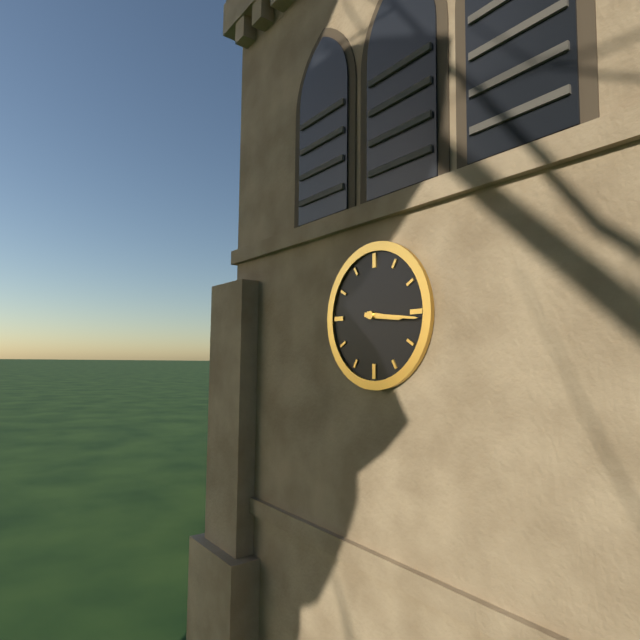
3,16
